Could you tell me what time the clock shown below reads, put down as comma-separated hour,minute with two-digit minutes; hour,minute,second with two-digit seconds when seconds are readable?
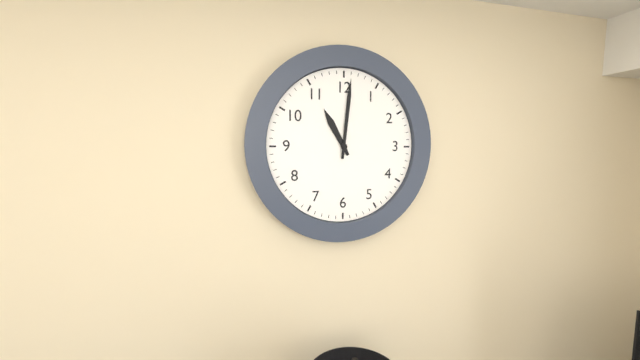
11,01
